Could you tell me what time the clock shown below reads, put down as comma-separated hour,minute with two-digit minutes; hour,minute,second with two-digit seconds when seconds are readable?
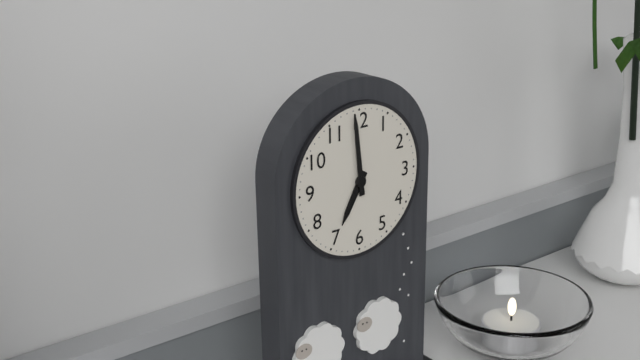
6,59
